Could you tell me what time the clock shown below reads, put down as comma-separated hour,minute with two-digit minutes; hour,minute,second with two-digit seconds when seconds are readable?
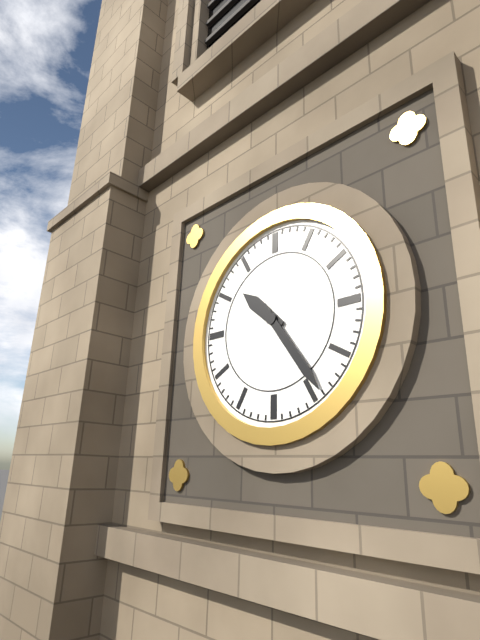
10,24
